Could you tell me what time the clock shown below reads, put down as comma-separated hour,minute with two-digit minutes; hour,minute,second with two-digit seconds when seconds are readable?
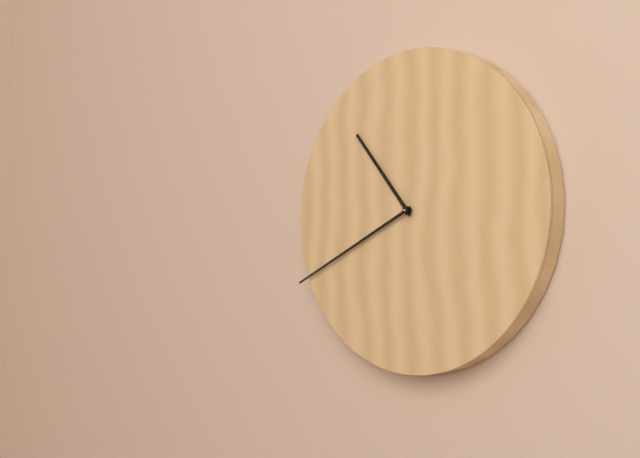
10,41
